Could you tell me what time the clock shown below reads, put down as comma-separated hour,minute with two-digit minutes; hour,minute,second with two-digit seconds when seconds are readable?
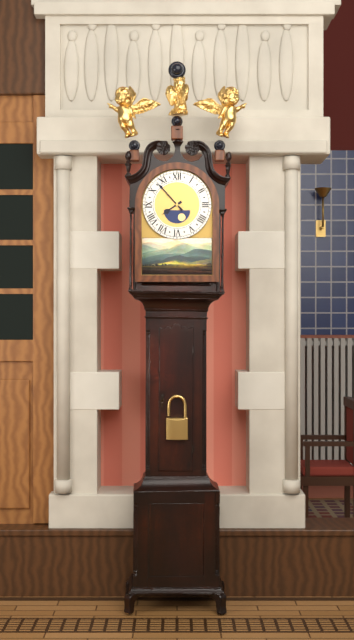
7,53
